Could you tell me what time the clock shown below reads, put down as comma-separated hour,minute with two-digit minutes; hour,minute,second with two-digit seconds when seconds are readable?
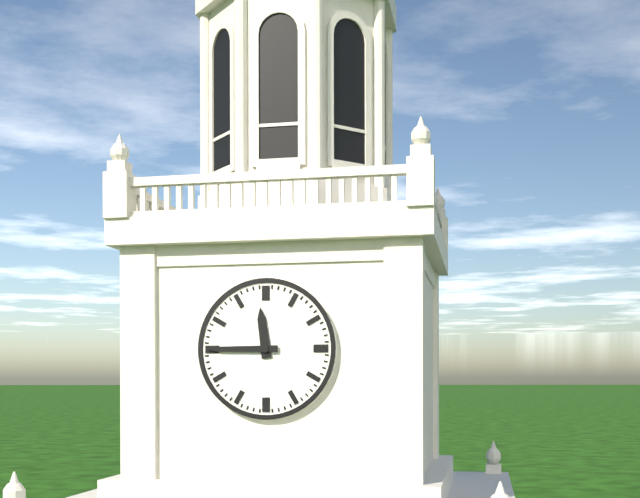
11,45
